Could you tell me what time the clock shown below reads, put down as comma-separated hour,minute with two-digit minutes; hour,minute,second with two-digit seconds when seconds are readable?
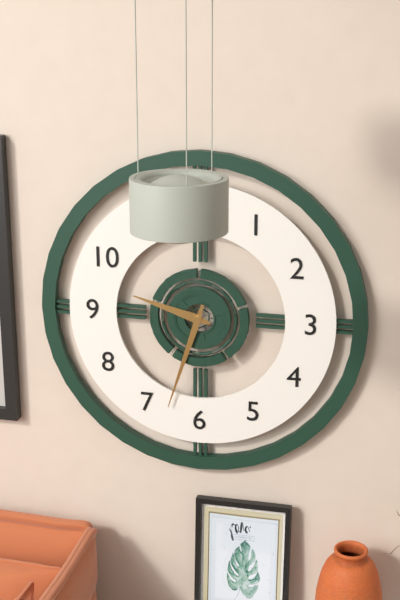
9,33
